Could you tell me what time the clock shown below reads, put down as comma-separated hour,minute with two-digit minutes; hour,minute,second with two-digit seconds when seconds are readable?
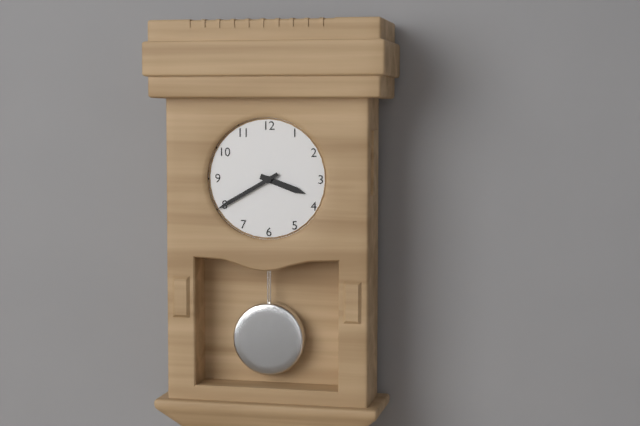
3,40
